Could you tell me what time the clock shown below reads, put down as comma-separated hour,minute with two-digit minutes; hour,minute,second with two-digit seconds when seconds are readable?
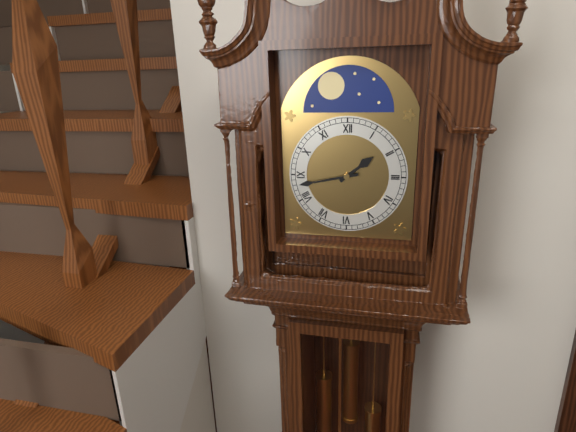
1,43
